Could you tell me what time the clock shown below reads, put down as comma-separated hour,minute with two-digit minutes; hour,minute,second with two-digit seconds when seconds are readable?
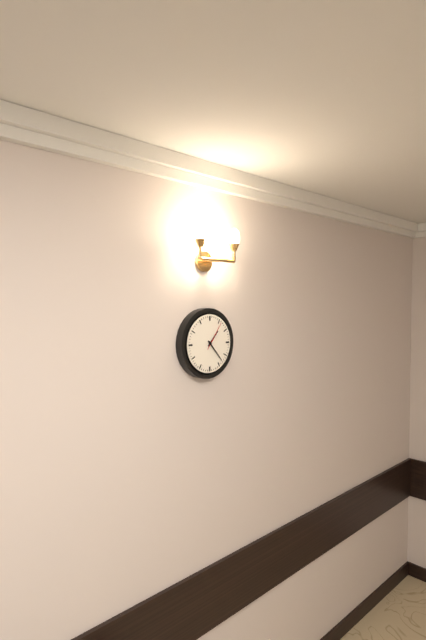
1,23
